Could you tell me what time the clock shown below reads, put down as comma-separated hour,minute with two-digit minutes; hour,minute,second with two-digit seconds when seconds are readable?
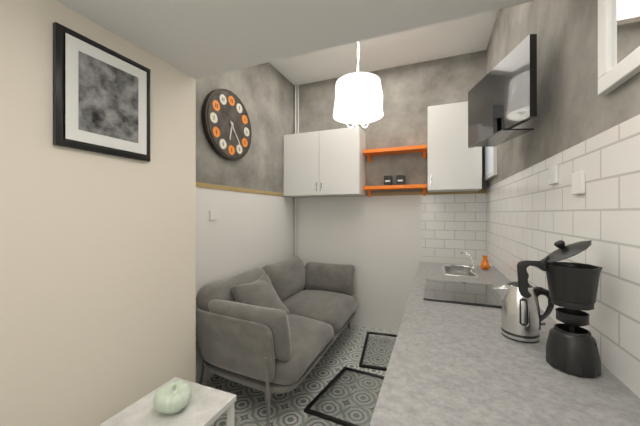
6,24
